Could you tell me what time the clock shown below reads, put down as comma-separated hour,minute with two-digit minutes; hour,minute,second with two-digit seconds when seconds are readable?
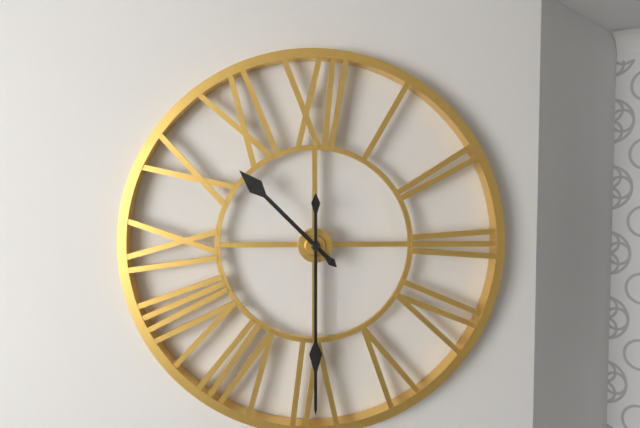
10,30
